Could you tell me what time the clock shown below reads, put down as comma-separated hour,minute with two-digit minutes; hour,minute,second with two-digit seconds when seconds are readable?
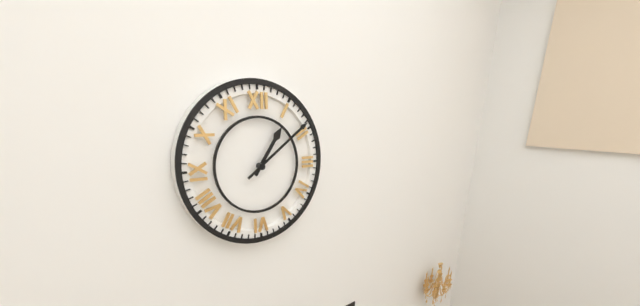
1,09
